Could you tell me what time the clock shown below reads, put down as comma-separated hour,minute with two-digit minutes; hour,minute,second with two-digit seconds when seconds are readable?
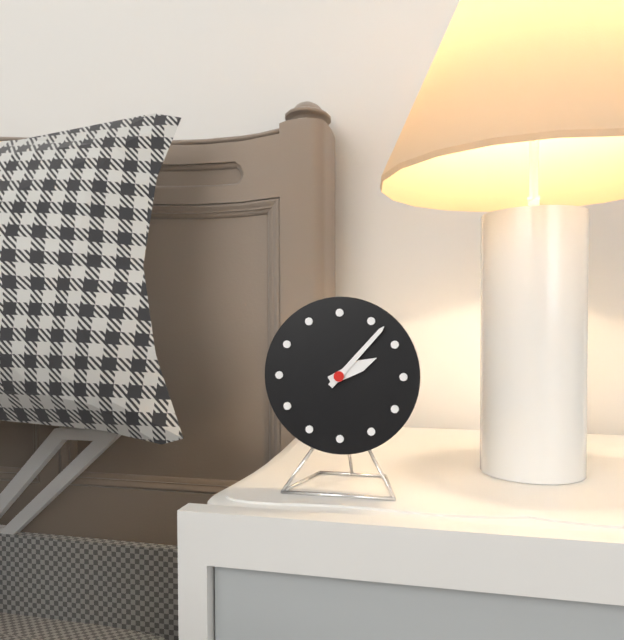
2,07
